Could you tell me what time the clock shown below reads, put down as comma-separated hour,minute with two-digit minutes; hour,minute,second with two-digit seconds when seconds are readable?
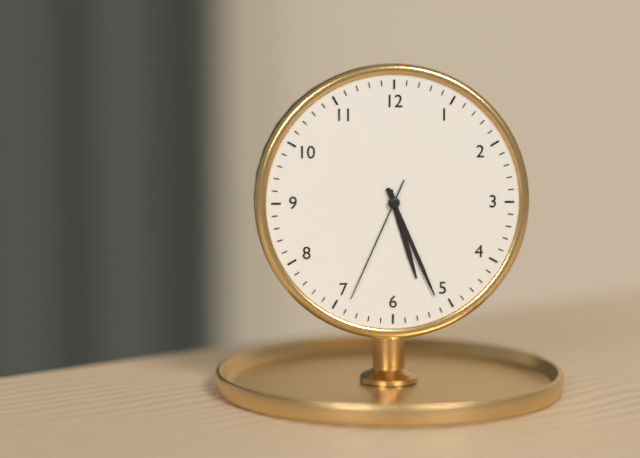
5,26,34
